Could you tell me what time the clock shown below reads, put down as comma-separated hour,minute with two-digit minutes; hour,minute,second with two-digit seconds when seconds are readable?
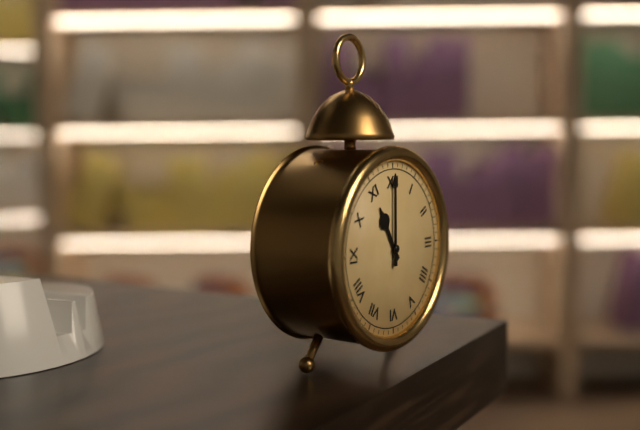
11,00
